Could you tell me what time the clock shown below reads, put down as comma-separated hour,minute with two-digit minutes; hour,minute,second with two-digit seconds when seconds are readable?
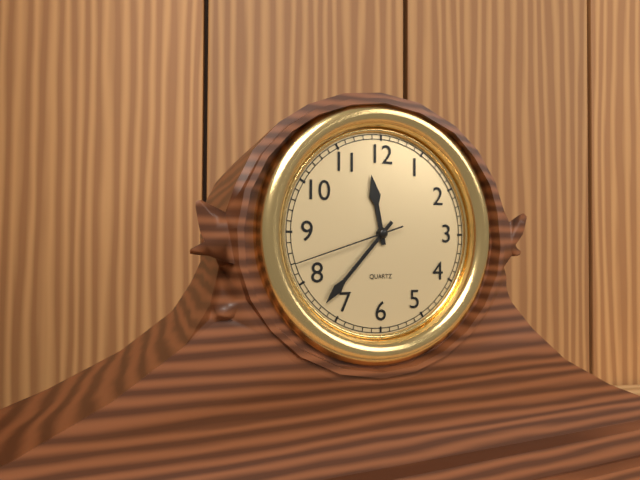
11,37,42
